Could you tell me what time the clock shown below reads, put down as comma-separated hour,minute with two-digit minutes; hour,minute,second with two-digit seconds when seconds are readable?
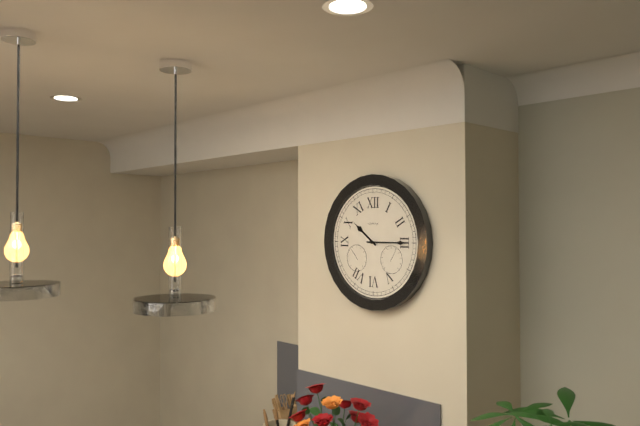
10,15
